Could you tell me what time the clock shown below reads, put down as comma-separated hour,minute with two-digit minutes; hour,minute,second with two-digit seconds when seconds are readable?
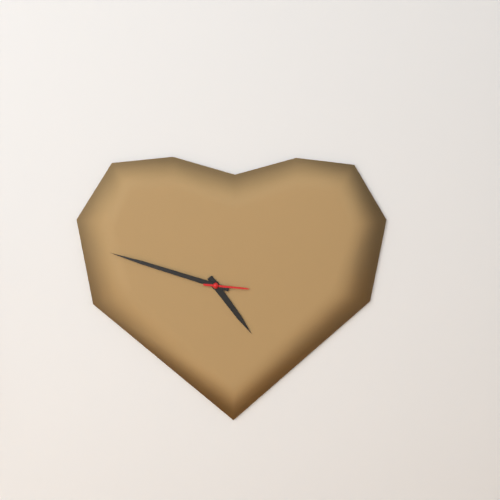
4,48
